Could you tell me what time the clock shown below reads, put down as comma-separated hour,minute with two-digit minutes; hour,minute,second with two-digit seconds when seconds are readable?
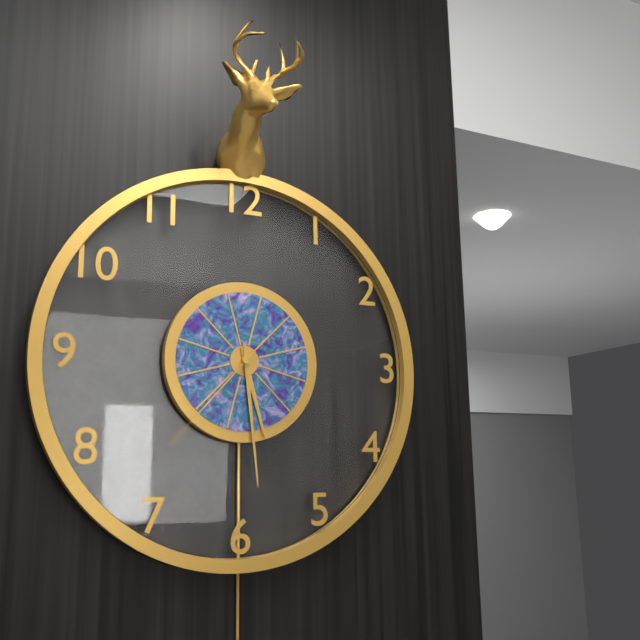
5,29,37
